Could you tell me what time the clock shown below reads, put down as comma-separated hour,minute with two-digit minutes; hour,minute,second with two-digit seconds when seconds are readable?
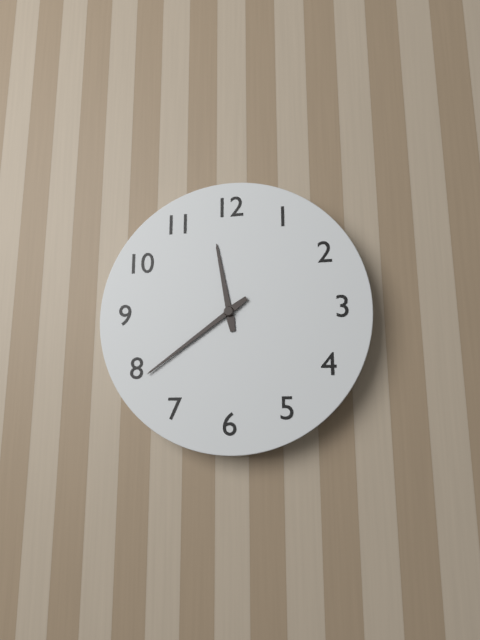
11,39
